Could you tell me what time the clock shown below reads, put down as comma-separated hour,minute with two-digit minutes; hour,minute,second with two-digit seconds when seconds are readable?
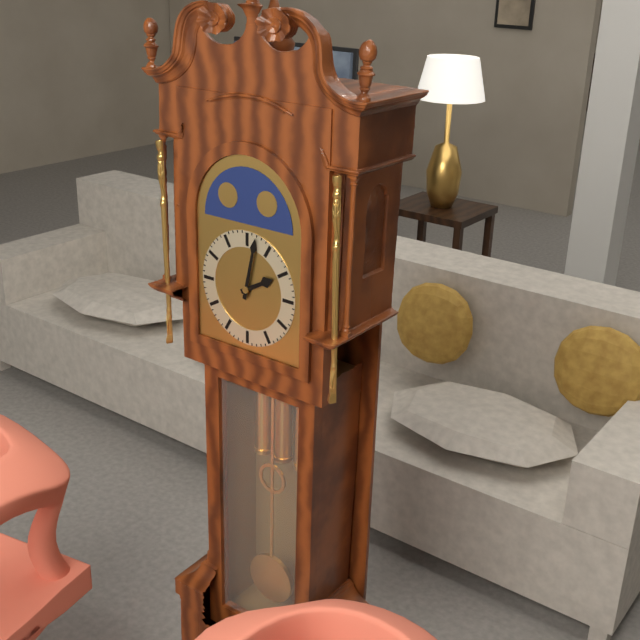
2,02
